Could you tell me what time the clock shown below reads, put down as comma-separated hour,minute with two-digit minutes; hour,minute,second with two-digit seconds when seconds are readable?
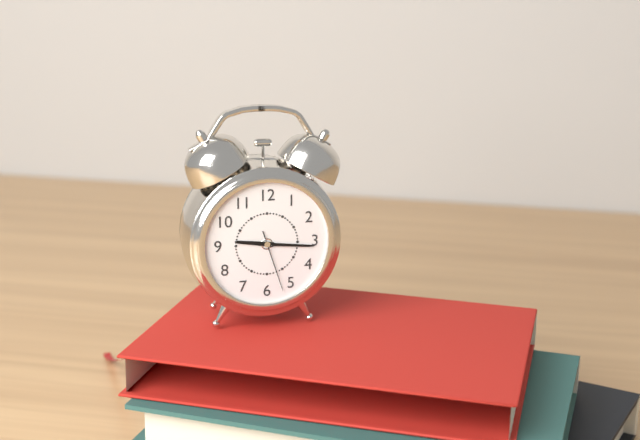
9,16,27
